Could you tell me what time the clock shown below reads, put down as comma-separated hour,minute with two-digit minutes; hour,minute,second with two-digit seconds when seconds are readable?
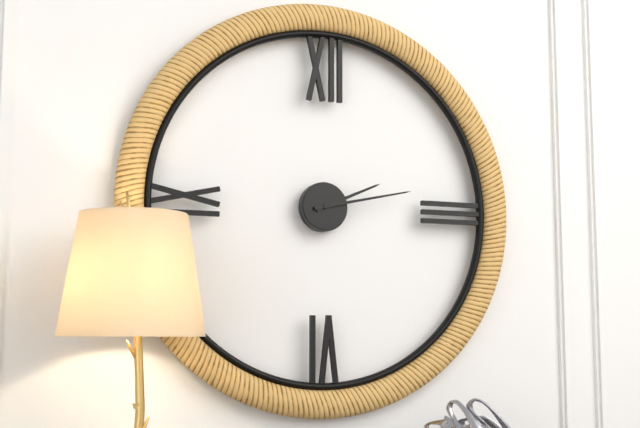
2,13
